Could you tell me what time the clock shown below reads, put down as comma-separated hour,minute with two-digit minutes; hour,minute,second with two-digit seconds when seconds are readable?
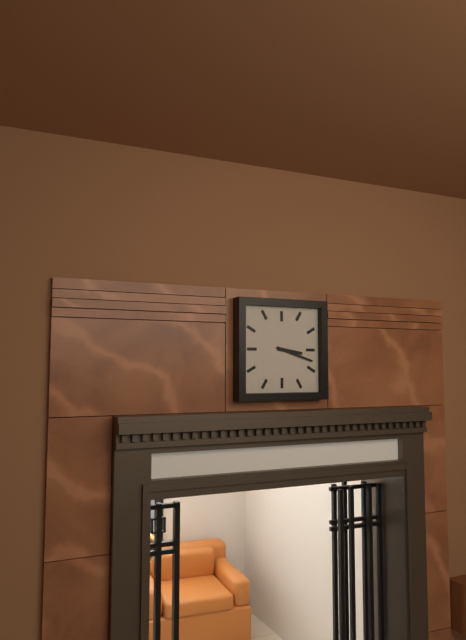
3,18
